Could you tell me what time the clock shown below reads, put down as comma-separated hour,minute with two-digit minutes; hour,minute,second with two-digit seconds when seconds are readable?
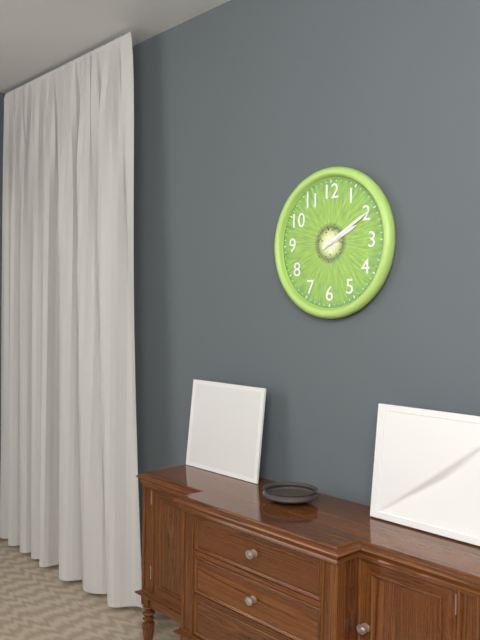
2,10
